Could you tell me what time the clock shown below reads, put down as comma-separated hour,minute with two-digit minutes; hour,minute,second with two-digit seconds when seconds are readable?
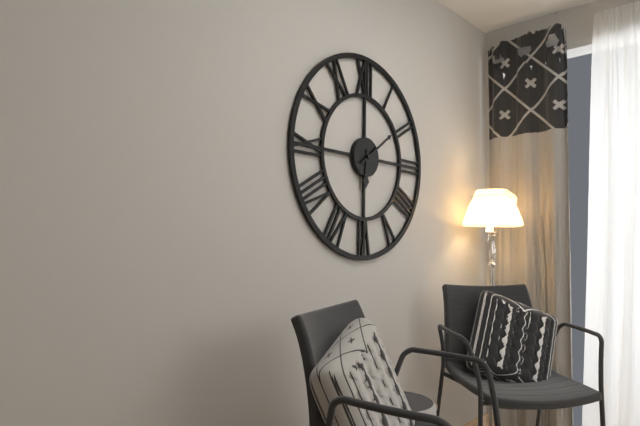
6,09
